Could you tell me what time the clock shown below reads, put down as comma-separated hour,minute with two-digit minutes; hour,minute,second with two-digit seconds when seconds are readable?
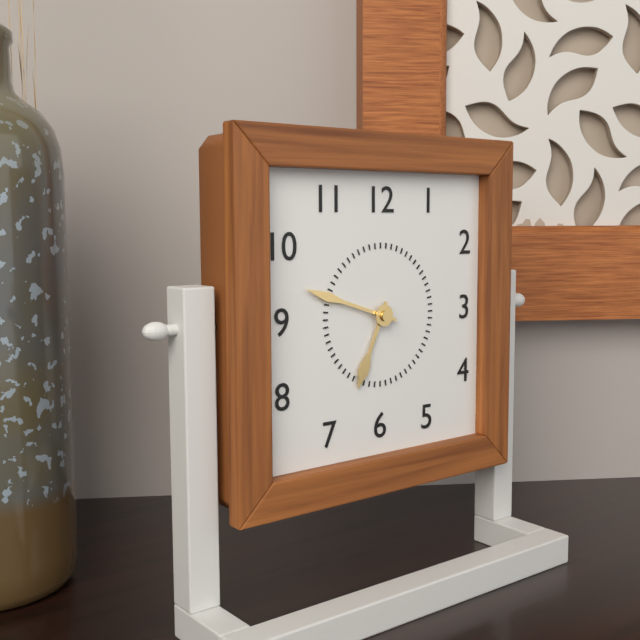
6,48
